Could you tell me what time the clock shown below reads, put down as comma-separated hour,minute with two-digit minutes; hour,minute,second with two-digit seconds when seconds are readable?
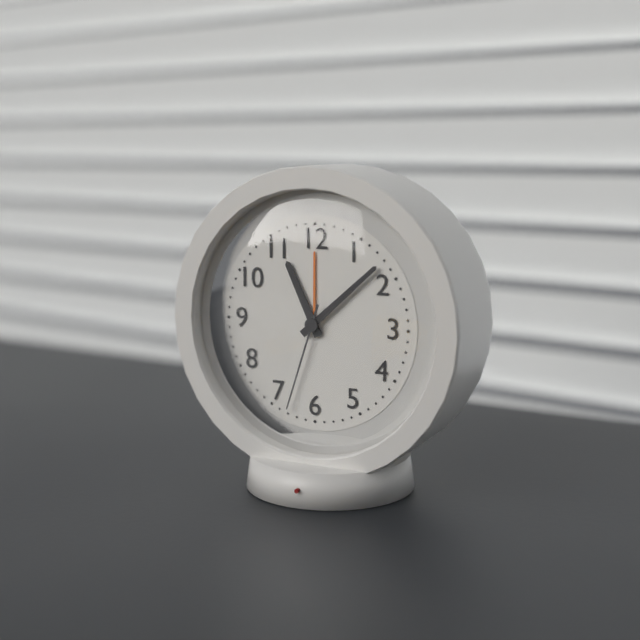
11,08,33
